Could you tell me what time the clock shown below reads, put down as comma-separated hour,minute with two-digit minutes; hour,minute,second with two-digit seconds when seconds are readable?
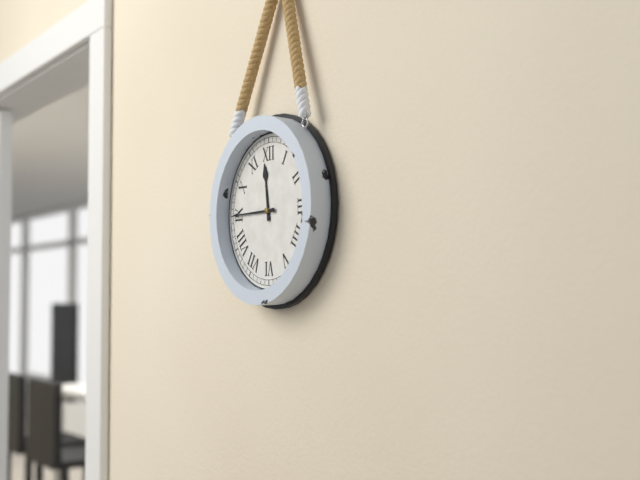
11,45
